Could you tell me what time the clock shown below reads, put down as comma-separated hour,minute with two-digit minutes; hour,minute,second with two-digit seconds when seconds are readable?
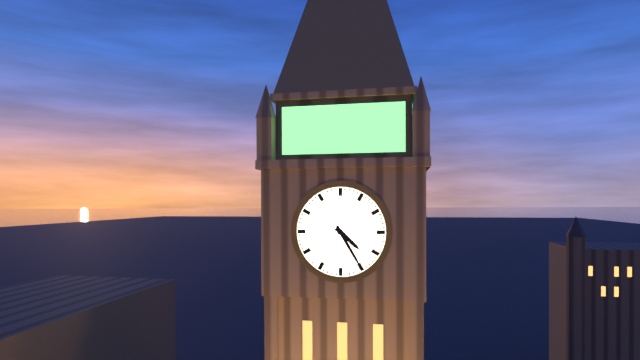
4,25
